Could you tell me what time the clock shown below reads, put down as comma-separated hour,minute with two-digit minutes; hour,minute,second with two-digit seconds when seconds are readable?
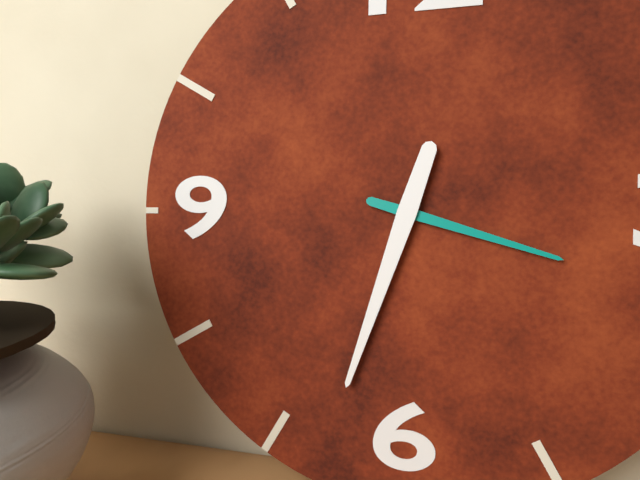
3,33
